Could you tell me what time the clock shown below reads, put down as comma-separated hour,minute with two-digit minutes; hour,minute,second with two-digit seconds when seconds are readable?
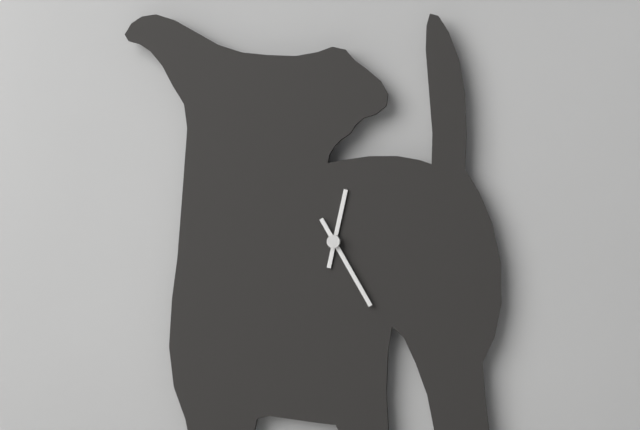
12,25
